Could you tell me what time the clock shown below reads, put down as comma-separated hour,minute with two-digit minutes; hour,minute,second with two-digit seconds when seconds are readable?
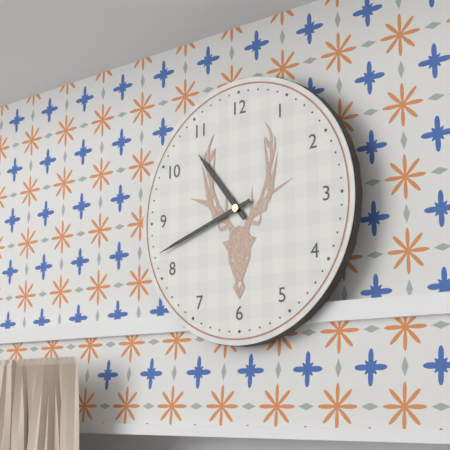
10,42
